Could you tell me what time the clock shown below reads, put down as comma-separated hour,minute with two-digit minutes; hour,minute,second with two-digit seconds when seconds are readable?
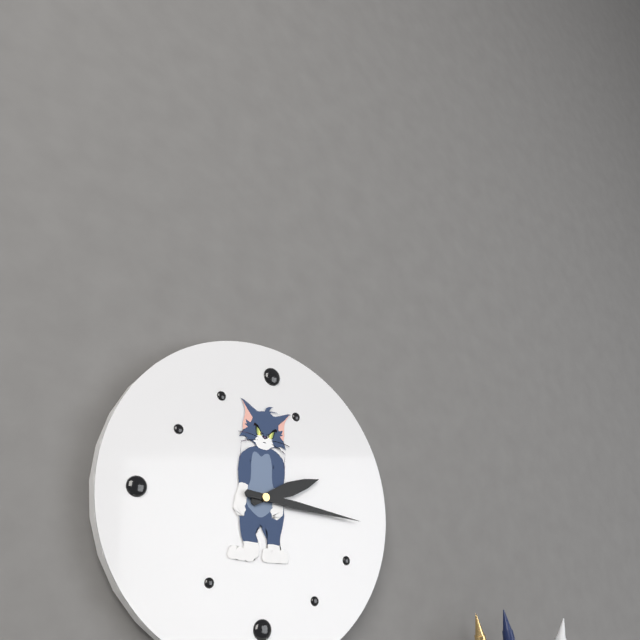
2,16
